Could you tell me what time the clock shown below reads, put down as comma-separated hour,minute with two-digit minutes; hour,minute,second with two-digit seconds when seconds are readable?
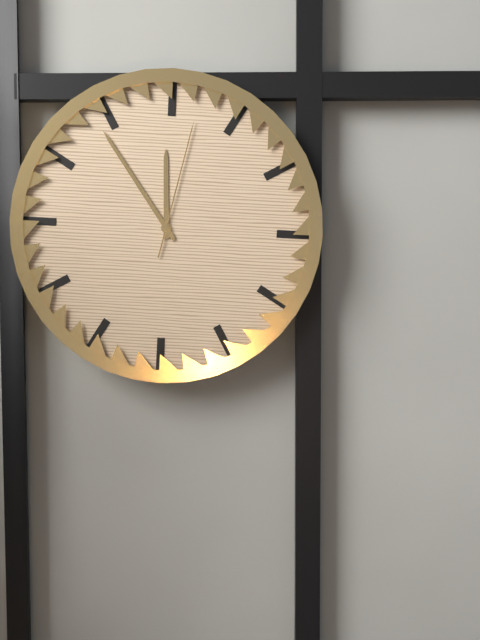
11,54,02
